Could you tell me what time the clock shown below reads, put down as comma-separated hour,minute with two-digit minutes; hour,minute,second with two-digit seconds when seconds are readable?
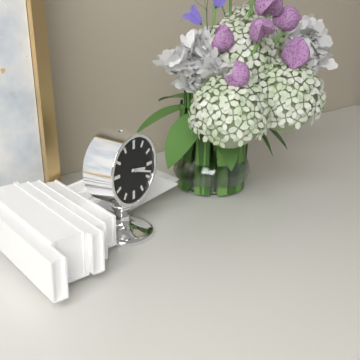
3,18
